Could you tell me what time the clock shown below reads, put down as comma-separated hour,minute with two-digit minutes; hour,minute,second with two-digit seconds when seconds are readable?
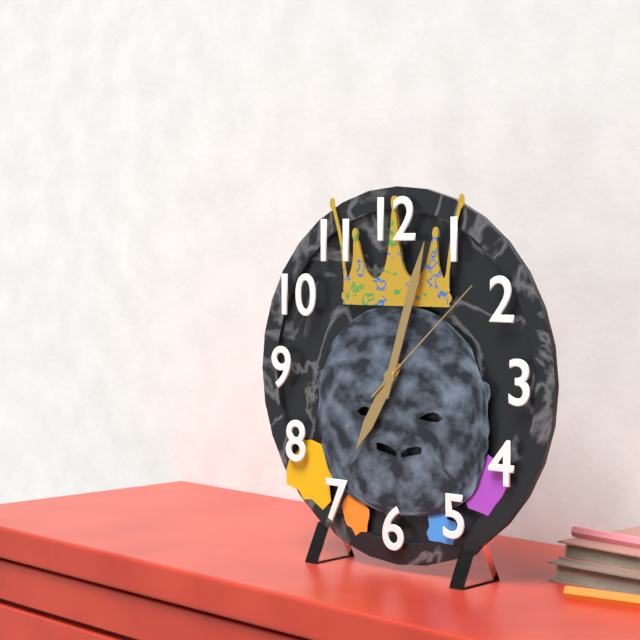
7,03,08
